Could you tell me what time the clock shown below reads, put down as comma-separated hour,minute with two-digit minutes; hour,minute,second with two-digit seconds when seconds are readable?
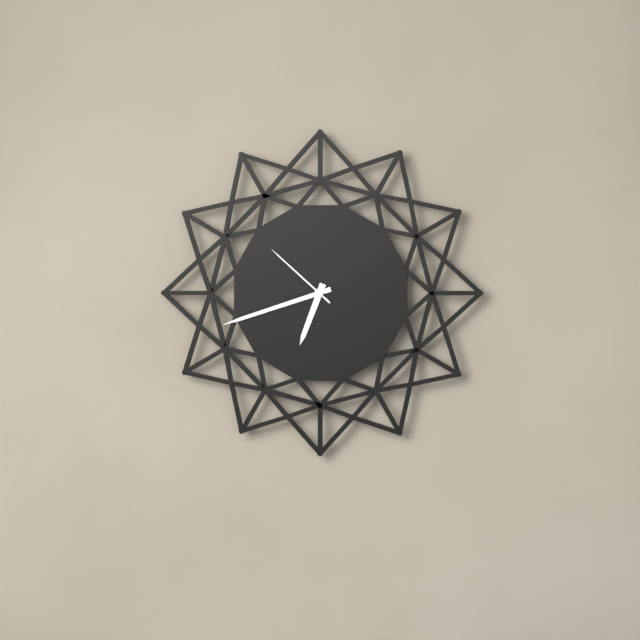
6,42,52
